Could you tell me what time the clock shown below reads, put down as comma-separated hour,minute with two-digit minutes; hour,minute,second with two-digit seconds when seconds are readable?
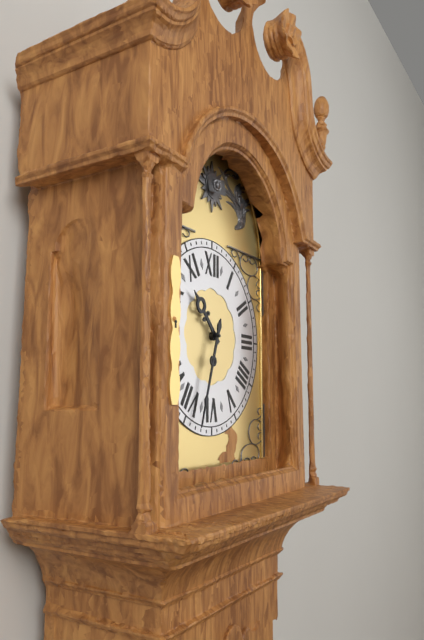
10,33
